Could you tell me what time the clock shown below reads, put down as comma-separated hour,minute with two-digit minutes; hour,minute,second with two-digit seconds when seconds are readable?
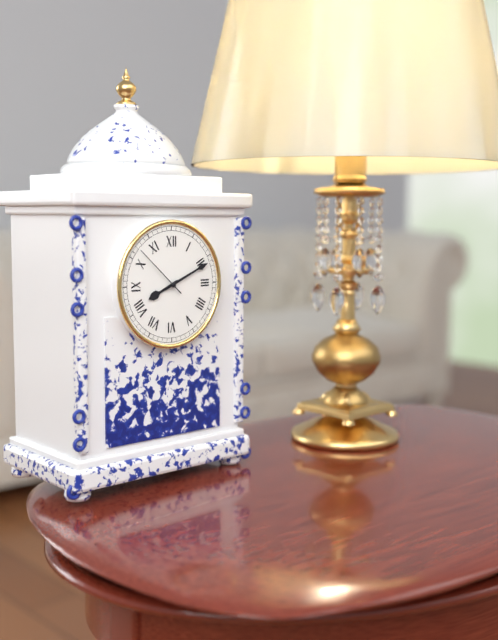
8,11,52
